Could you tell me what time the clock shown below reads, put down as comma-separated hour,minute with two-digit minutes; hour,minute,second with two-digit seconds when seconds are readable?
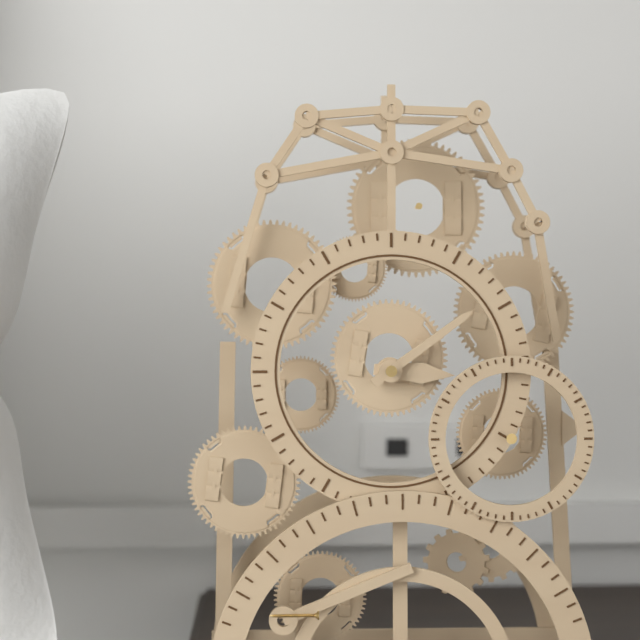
3,09
